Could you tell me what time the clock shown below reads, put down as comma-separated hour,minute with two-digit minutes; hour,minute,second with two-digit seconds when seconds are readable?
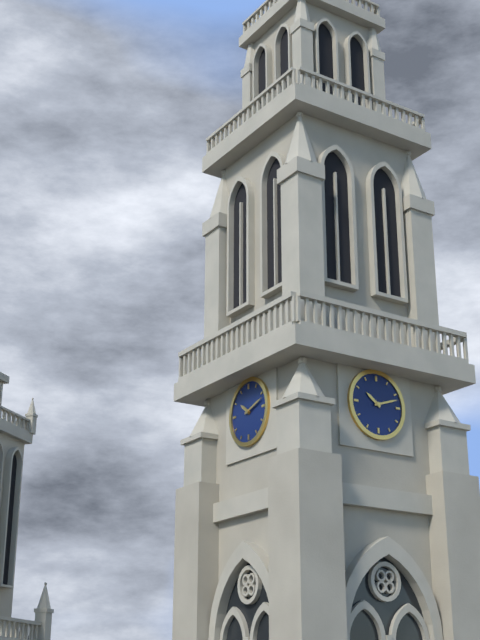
10,12
